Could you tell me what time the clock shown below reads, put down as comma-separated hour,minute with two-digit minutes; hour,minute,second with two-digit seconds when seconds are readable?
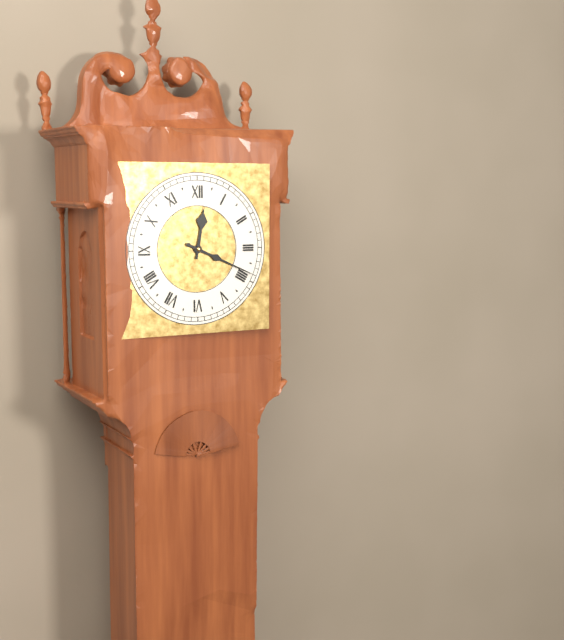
12,19
